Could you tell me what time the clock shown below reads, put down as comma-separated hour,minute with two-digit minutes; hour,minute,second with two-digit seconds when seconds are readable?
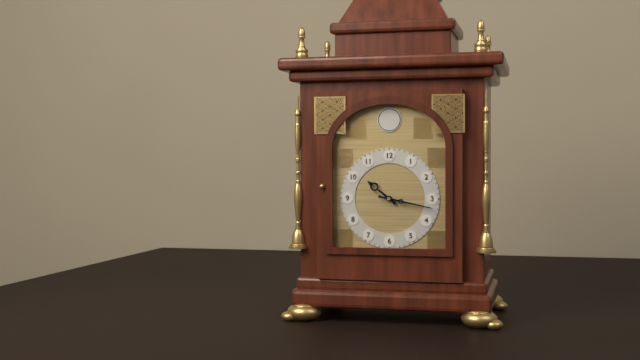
10,17
